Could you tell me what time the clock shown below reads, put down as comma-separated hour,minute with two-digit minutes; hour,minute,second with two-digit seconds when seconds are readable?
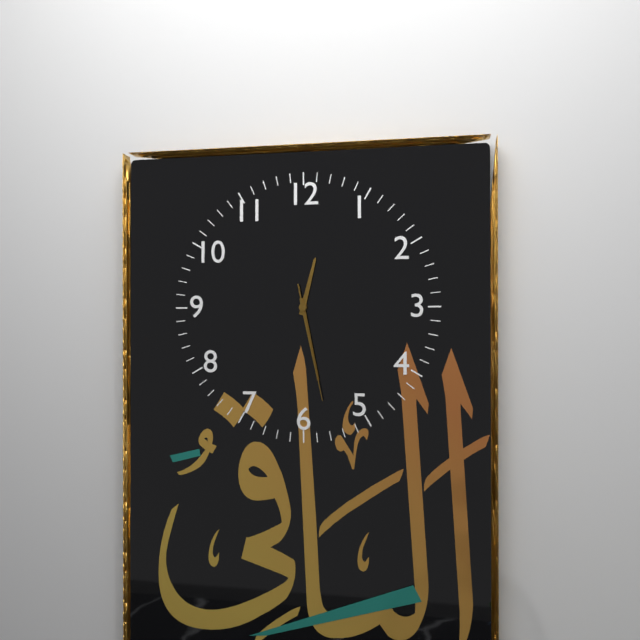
12,28,28
